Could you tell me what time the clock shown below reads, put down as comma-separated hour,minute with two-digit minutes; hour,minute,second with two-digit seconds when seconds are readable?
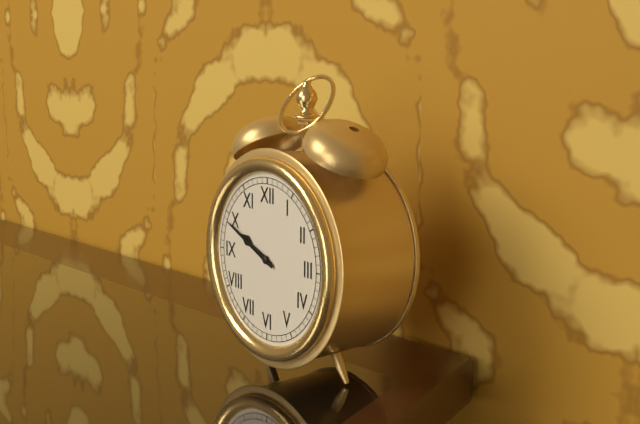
9,49
